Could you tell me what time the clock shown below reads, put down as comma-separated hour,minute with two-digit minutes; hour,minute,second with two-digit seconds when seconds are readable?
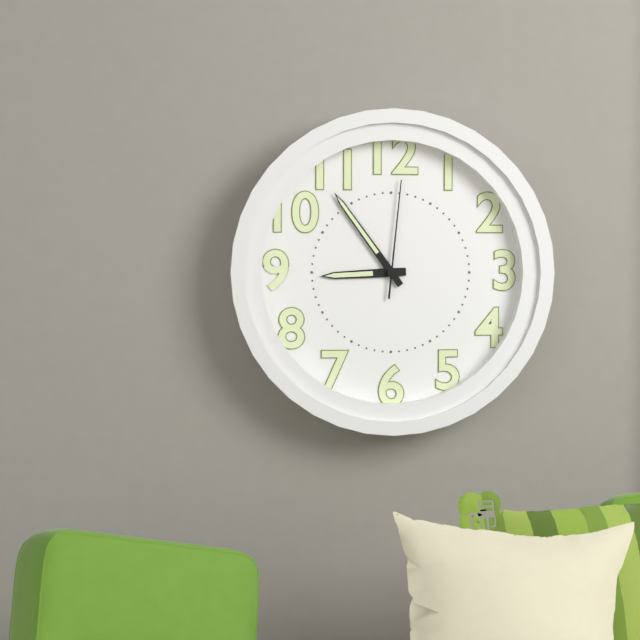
8,54,01
